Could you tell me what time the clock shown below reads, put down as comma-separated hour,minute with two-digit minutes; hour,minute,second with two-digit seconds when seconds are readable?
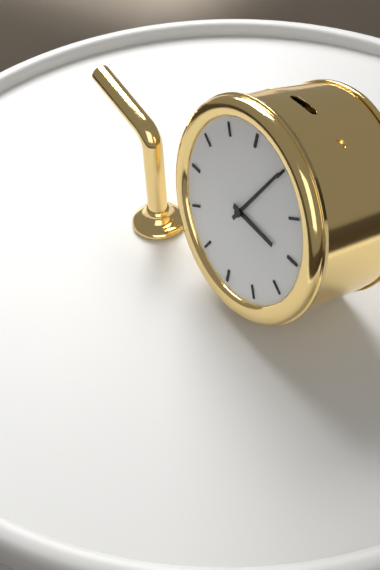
3,05
